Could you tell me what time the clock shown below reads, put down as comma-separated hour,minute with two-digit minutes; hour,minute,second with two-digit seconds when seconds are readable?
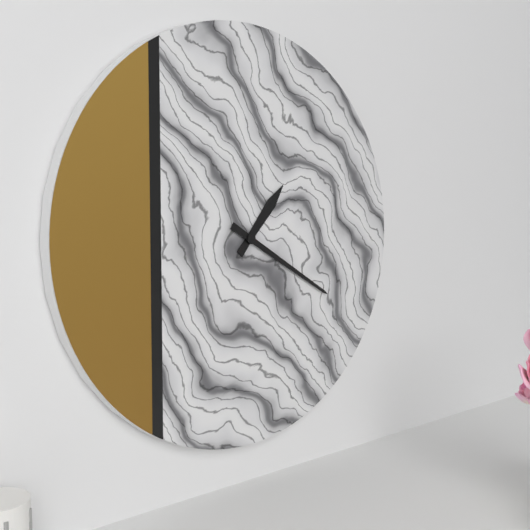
1,20
